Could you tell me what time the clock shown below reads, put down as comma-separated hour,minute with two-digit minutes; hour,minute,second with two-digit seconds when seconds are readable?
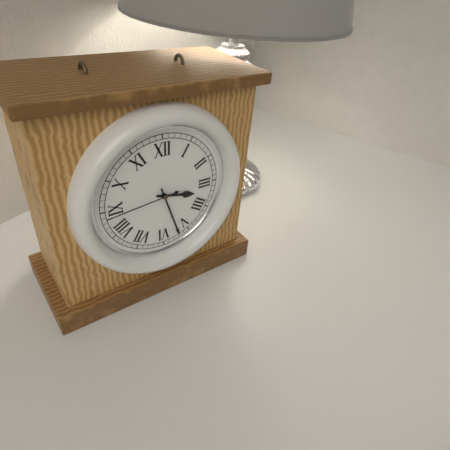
3,27,44
